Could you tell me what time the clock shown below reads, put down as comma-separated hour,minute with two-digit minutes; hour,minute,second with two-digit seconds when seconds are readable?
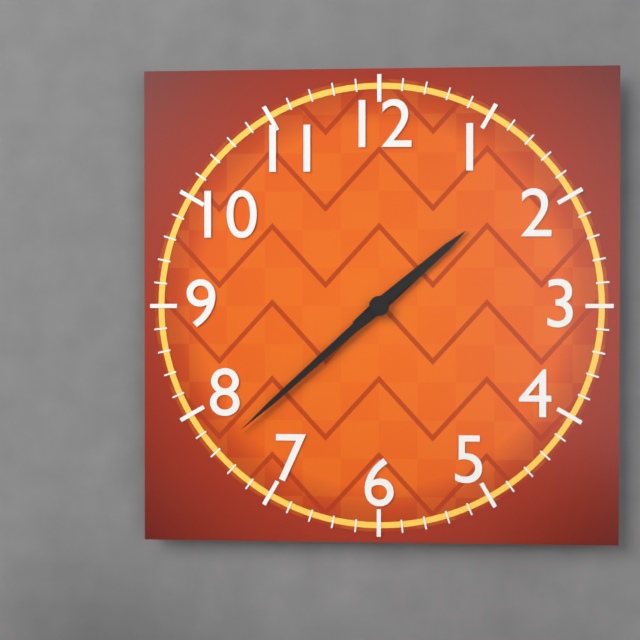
1,38
